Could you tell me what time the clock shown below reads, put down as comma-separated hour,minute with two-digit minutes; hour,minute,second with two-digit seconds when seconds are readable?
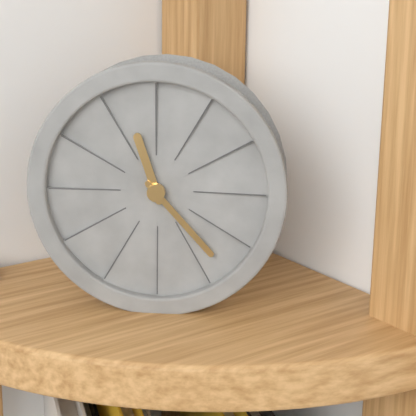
11,23
